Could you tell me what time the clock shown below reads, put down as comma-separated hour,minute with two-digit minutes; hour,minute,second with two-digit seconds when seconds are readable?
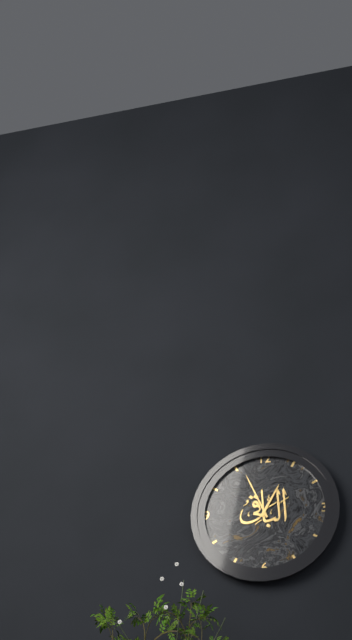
12,56
